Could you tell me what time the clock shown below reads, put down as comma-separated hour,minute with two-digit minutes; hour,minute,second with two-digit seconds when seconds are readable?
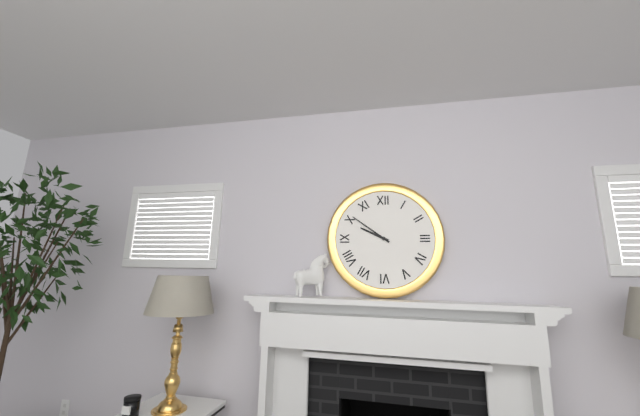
9,51
